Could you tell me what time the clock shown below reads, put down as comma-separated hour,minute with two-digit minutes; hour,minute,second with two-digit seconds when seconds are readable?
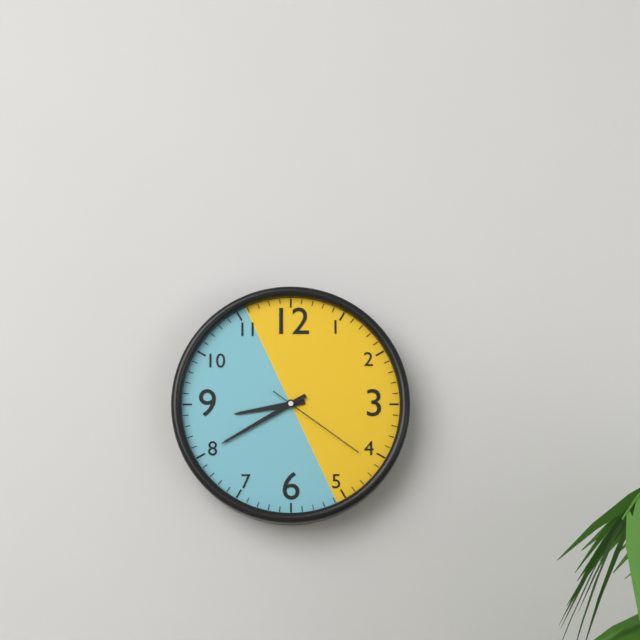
8,40,21
